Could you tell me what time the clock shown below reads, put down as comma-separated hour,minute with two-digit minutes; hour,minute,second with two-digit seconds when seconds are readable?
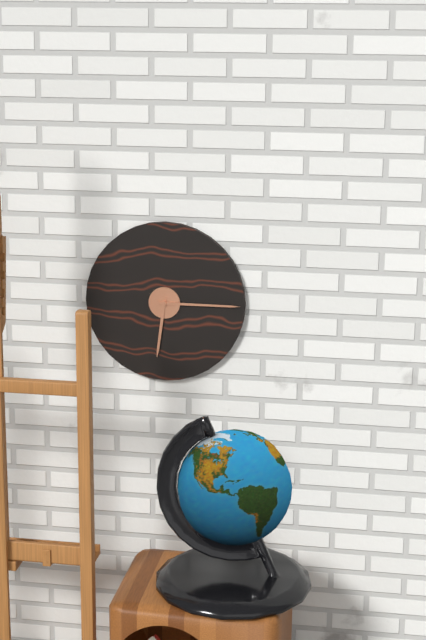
6,15
